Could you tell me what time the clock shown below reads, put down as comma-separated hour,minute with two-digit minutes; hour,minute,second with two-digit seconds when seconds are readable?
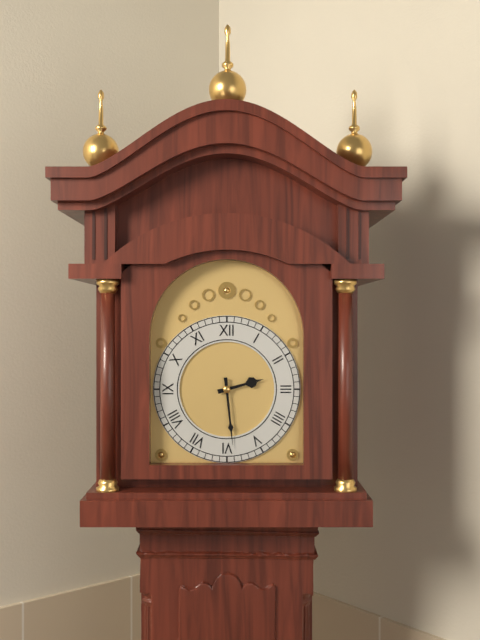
2,29
